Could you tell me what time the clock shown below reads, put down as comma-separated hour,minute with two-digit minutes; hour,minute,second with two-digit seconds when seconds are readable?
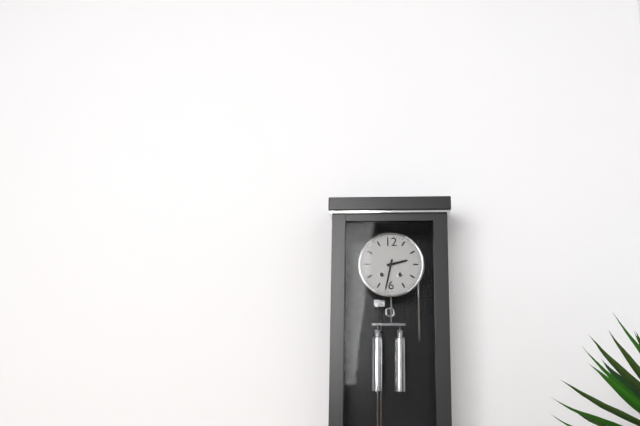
2,32
